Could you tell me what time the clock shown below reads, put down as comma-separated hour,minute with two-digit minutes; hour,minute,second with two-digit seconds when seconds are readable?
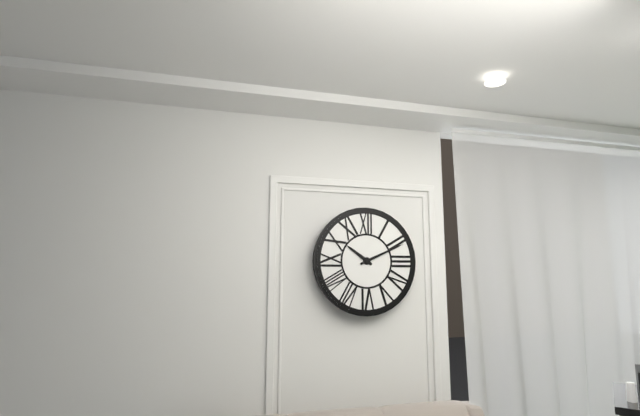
10,11
